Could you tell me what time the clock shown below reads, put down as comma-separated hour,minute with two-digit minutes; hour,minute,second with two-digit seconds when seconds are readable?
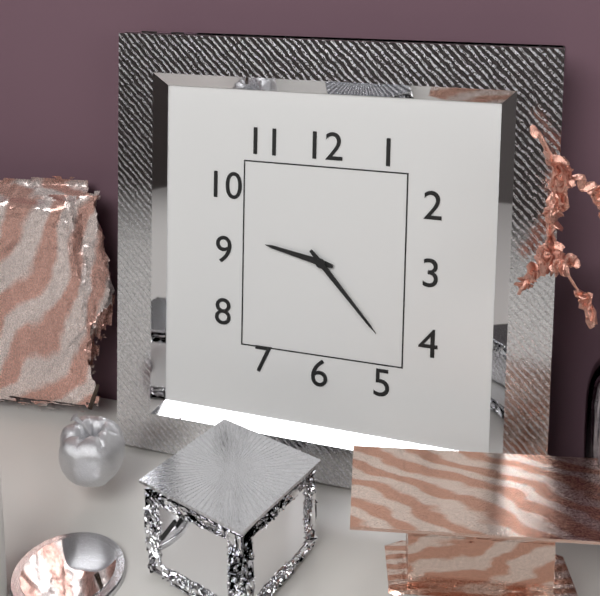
9,23
